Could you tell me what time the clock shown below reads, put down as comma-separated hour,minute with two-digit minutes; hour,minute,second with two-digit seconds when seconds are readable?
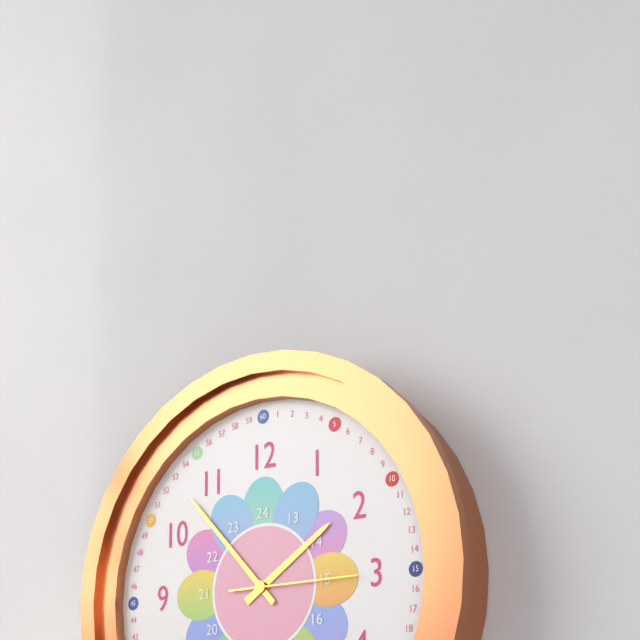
1,53,15
